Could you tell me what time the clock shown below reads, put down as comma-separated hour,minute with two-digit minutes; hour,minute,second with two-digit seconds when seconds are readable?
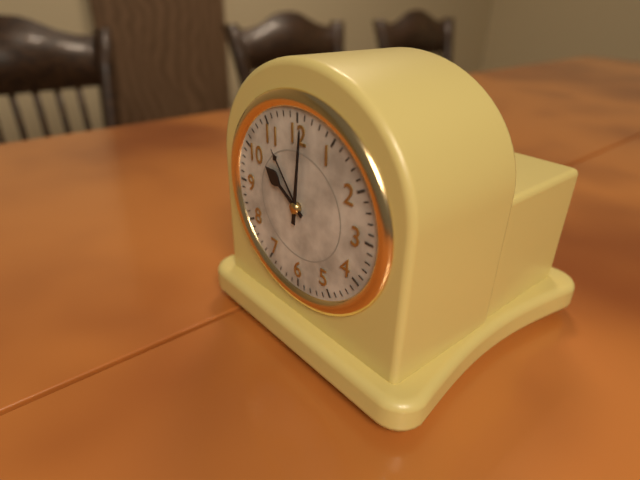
10,01
